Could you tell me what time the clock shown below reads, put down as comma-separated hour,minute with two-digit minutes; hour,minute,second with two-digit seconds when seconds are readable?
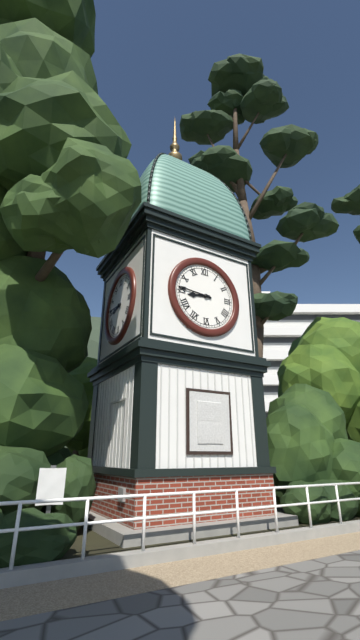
8,46
